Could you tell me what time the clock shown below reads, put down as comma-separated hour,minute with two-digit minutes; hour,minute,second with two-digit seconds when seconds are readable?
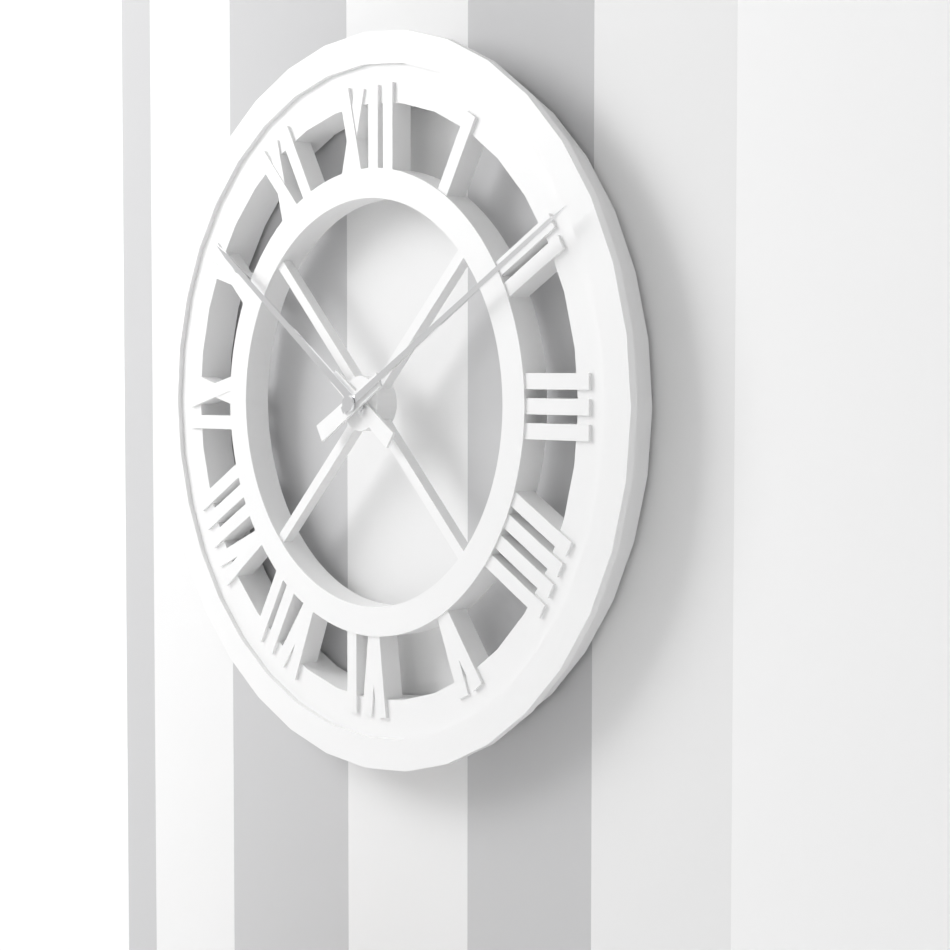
10,10
